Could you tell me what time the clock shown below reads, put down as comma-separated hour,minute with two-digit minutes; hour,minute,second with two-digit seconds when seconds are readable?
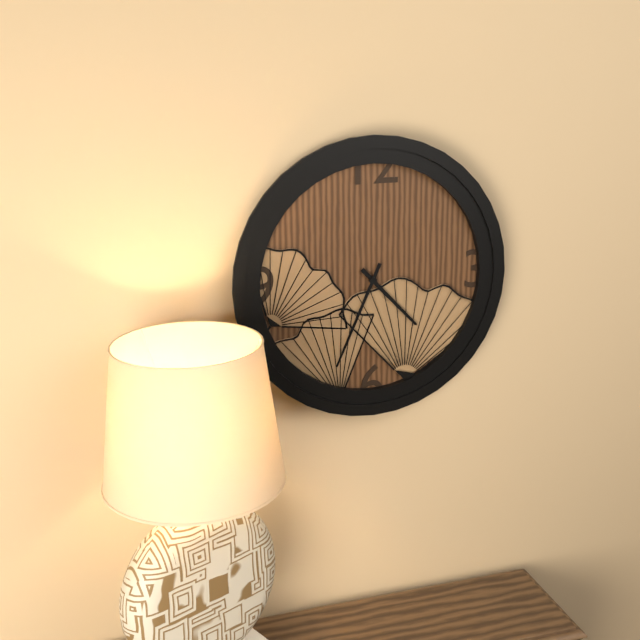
4,34
